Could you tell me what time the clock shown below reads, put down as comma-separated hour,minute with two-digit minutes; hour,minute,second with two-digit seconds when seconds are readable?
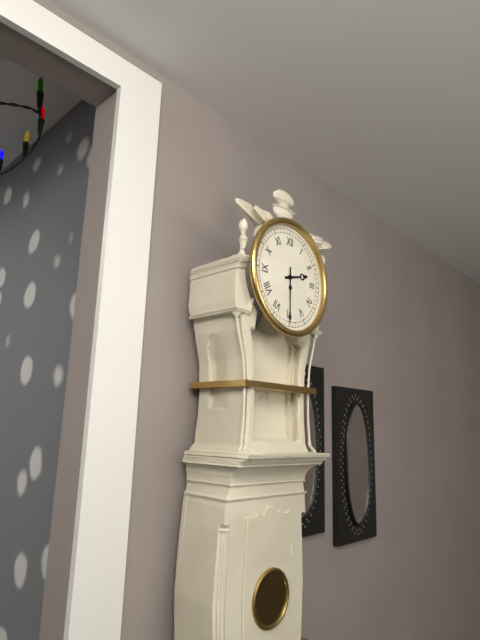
2,30
